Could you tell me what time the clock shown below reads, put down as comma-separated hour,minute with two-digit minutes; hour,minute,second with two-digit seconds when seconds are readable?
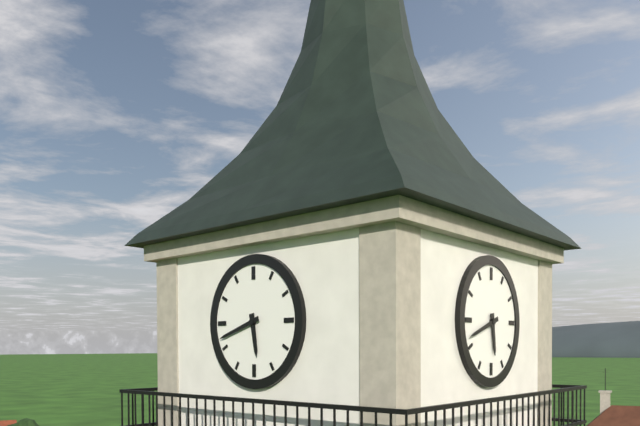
5,42
